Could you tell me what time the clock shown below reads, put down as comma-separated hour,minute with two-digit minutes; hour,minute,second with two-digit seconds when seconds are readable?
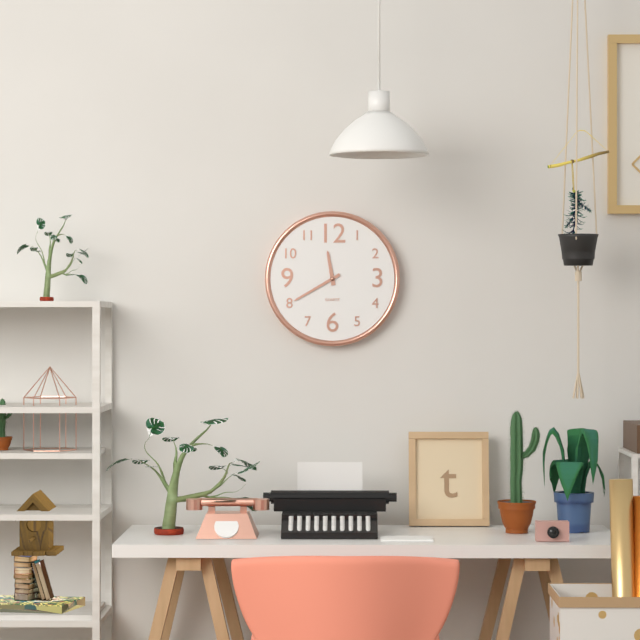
11,40
